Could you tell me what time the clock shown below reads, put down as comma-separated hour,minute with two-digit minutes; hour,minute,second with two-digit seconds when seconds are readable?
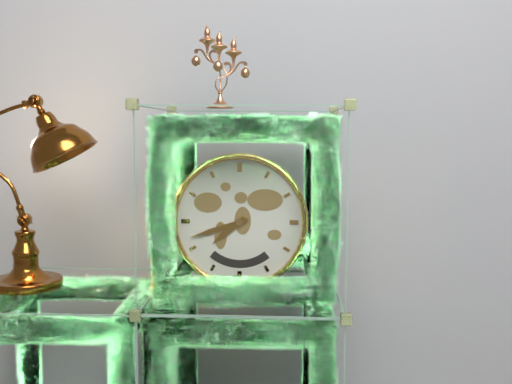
7,42
